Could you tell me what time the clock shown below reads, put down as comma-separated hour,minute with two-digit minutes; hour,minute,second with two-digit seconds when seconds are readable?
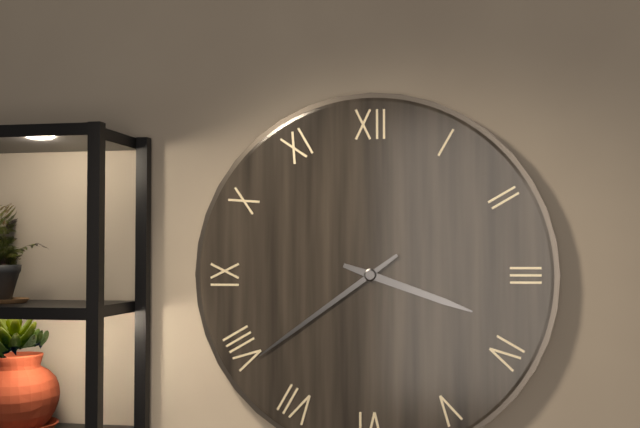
3,39
